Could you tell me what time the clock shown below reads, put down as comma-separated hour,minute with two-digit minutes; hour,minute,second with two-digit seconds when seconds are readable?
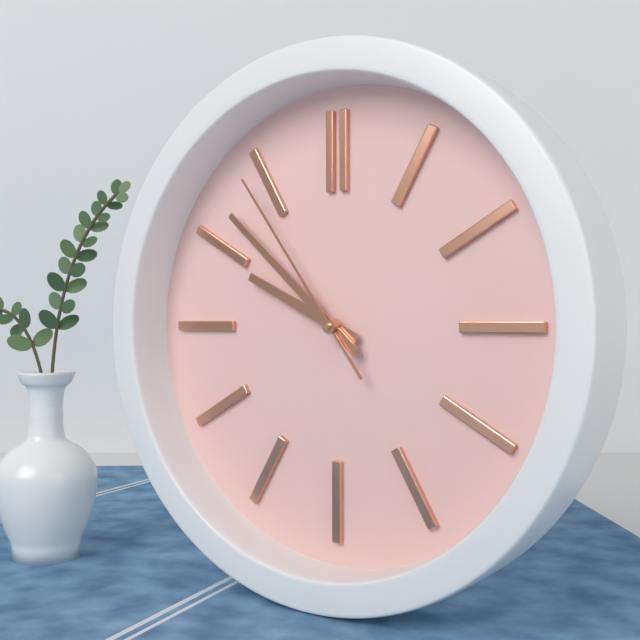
9,52,54
